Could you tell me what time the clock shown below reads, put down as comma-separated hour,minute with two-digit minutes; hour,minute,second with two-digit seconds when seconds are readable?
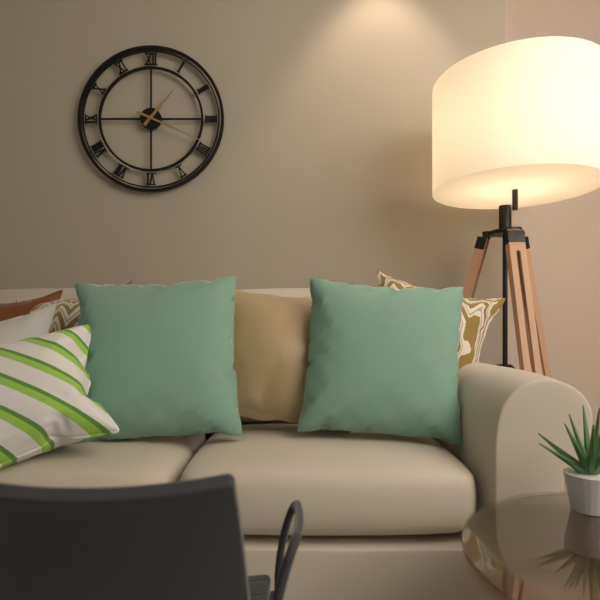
1,19
